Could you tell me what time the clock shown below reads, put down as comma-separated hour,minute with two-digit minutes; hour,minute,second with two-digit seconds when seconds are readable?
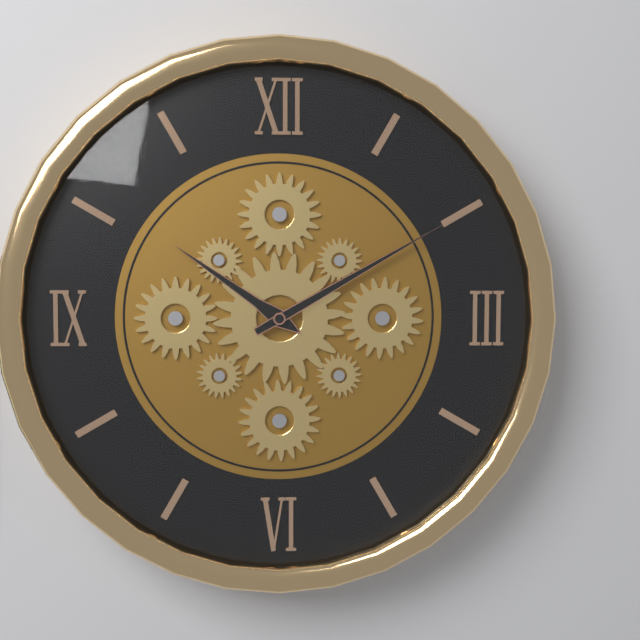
10,10
